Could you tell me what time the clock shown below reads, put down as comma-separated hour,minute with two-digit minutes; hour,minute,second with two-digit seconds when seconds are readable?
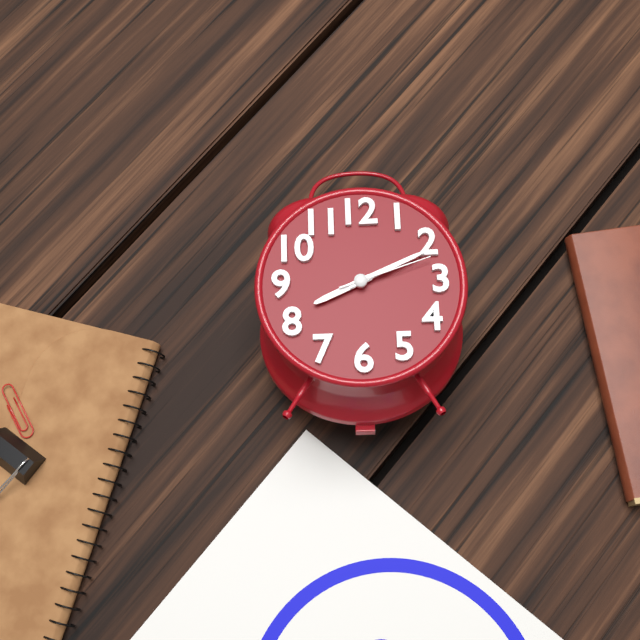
8,11,12
